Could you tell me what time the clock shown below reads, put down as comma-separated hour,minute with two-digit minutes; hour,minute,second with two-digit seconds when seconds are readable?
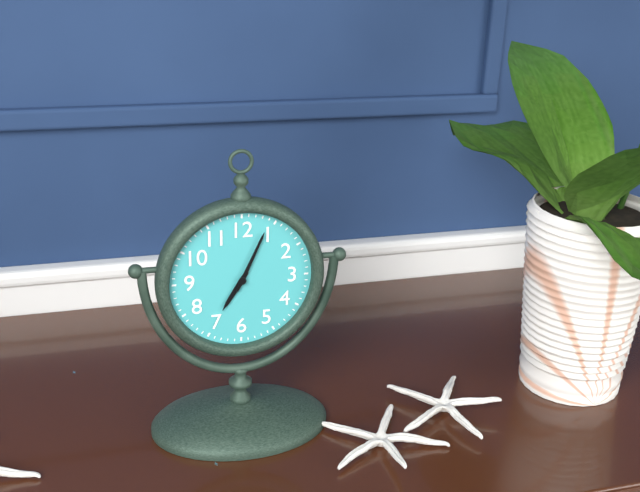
7,04
